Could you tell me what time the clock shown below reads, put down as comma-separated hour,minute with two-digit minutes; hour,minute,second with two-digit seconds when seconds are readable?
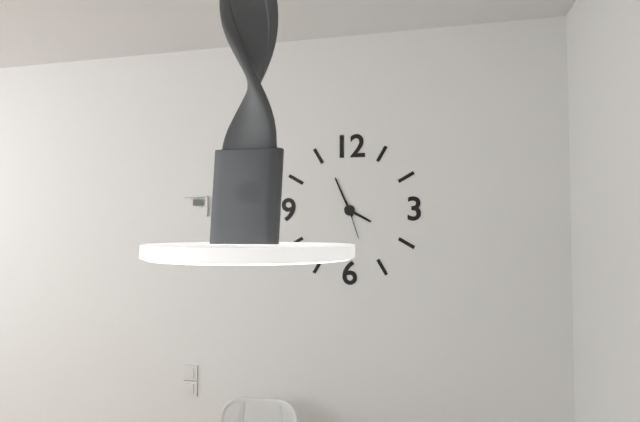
3,56
